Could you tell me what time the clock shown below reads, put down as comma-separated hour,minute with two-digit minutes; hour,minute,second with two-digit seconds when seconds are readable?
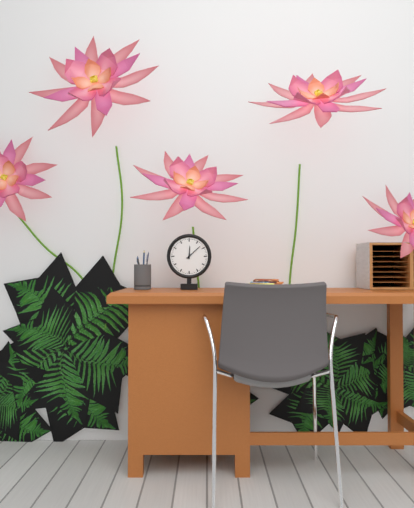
12,08
